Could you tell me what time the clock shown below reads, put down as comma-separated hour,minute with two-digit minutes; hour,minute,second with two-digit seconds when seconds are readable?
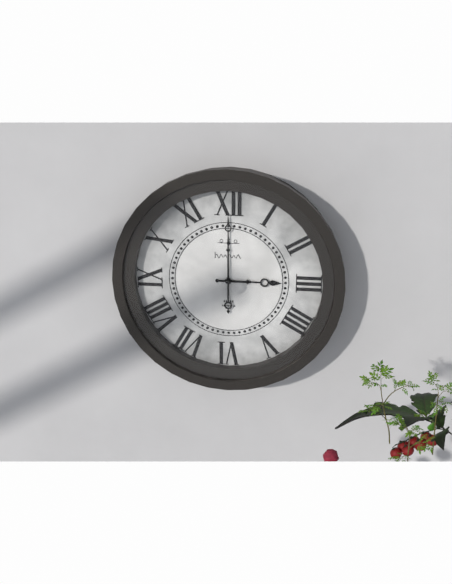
3,00
